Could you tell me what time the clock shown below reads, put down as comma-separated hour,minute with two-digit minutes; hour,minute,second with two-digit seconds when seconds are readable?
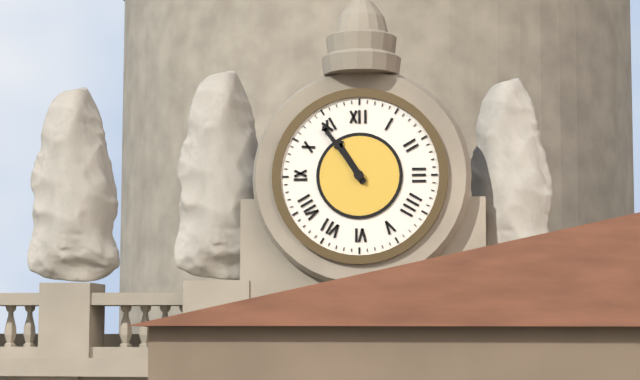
10,54
